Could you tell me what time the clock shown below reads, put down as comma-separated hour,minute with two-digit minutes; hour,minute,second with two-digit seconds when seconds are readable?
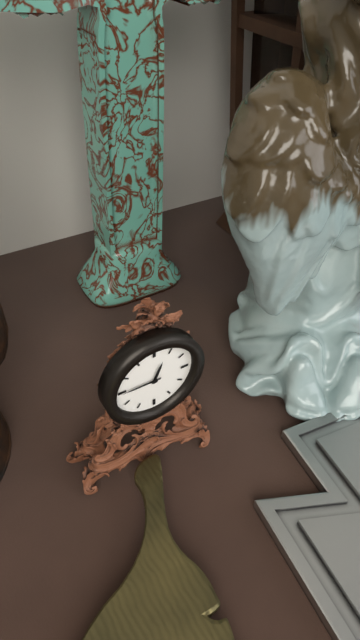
12,45
